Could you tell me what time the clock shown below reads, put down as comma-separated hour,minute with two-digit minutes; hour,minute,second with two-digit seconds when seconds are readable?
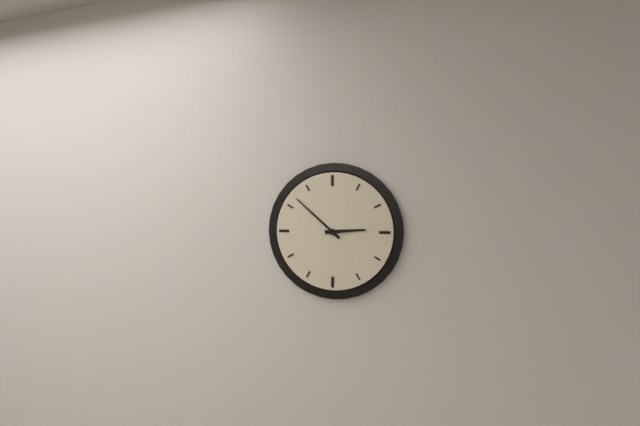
2,52
